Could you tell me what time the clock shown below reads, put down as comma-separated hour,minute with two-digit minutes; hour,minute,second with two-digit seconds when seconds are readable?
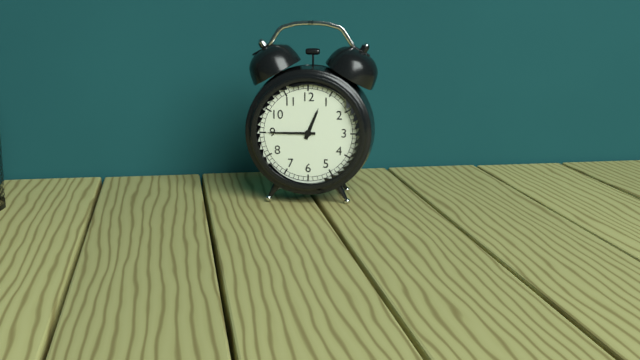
12,45
